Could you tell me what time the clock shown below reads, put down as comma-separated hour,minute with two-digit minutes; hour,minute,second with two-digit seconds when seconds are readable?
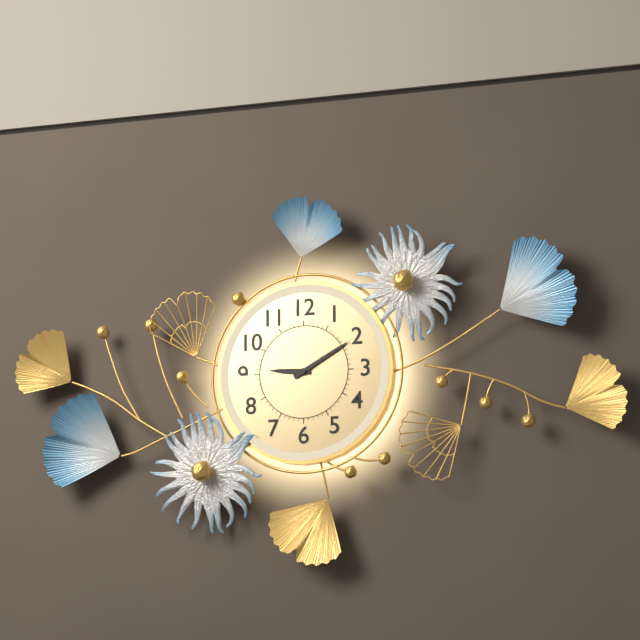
9,10
